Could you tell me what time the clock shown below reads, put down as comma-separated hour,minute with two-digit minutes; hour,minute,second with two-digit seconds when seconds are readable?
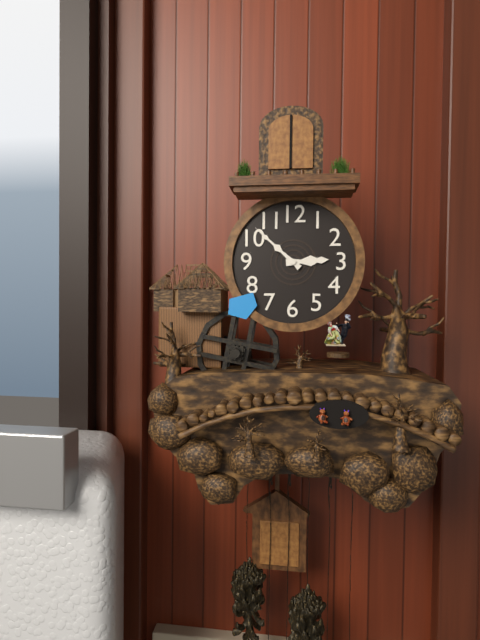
2,52
